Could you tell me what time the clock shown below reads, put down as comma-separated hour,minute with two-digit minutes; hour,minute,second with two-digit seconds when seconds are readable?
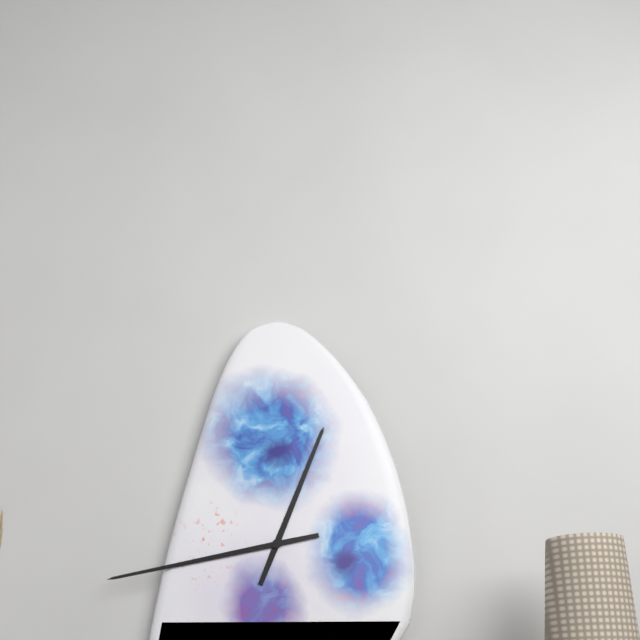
12,43
